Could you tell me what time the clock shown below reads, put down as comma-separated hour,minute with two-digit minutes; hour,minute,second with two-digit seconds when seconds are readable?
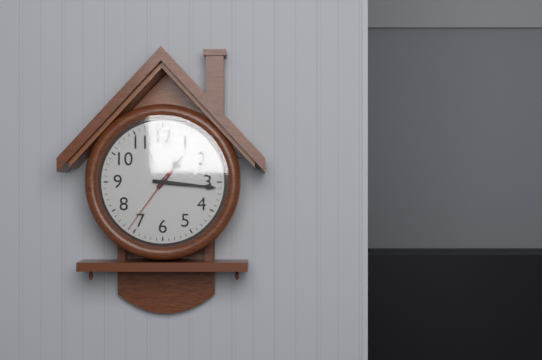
1,16,36
